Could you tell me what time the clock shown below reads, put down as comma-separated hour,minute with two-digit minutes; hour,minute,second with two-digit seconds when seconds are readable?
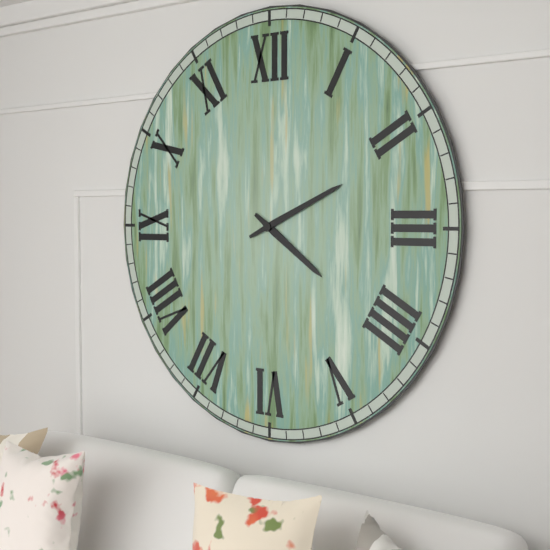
4,11
